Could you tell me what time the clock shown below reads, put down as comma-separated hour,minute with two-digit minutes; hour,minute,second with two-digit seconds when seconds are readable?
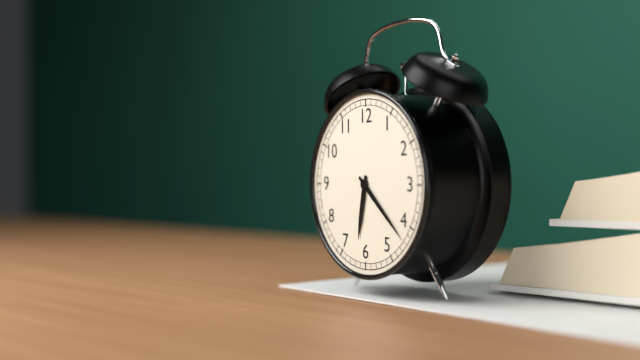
6,22
